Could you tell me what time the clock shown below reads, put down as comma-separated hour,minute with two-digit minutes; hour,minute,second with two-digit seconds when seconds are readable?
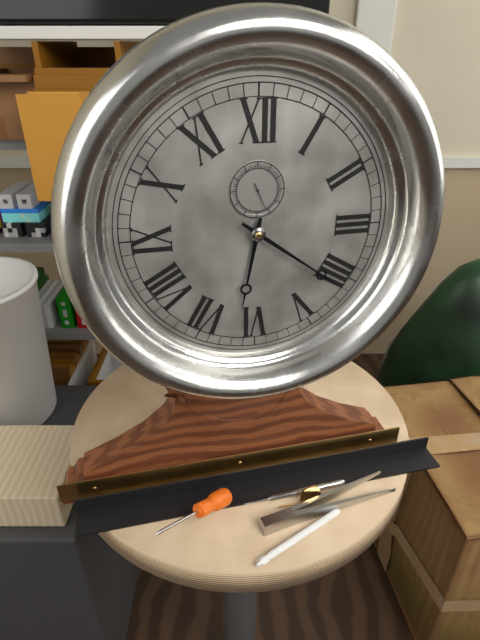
6,21
